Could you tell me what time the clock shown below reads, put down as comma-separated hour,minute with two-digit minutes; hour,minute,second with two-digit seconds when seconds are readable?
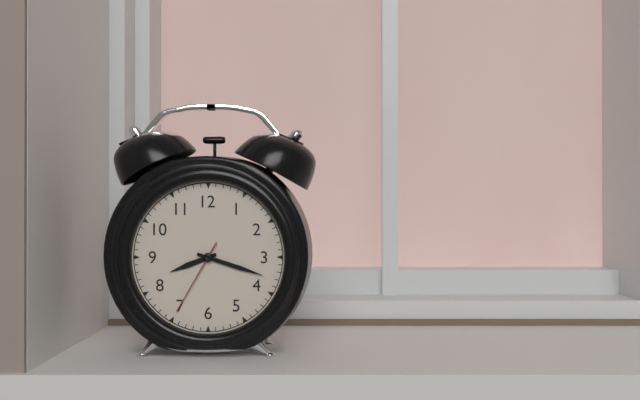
8,18,35
